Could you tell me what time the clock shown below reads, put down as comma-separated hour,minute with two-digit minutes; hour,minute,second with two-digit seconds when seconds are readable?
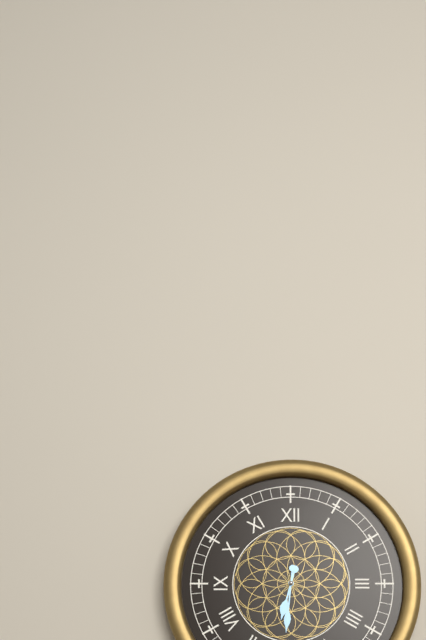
6,31
